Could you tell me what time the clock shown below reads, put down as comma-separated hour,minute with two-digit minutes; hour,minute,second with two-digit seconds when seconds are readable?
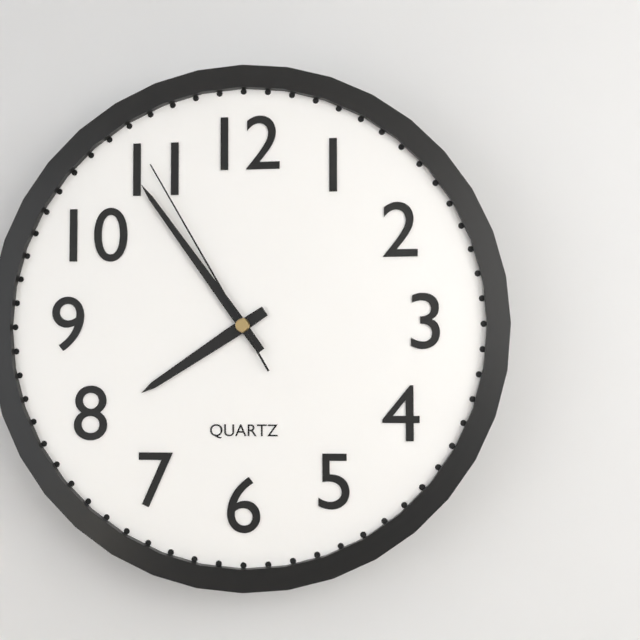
7,54,55
